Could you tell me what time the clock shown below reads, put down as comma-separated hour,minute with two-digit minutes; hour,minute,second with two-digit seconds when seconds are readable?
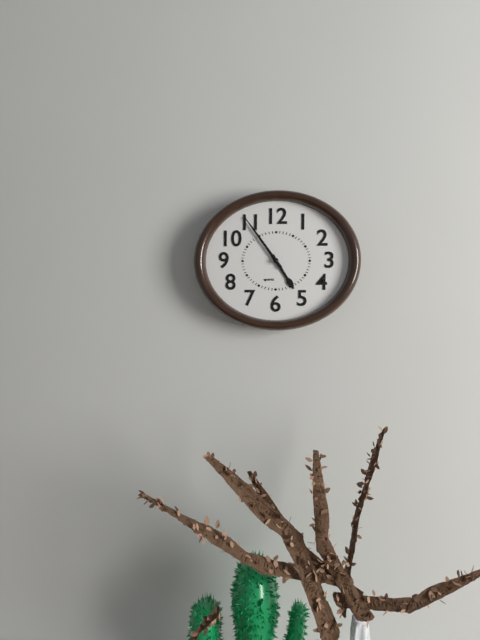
4,54
